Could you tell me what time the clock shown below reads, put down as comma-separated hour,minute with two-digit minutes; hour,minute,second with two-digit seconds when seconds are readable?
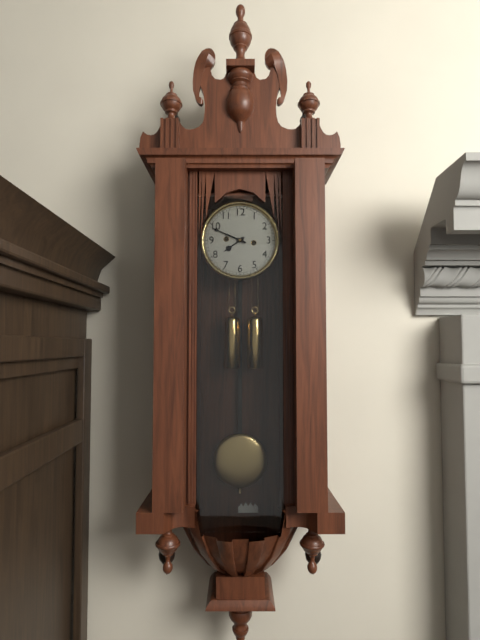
7,49
